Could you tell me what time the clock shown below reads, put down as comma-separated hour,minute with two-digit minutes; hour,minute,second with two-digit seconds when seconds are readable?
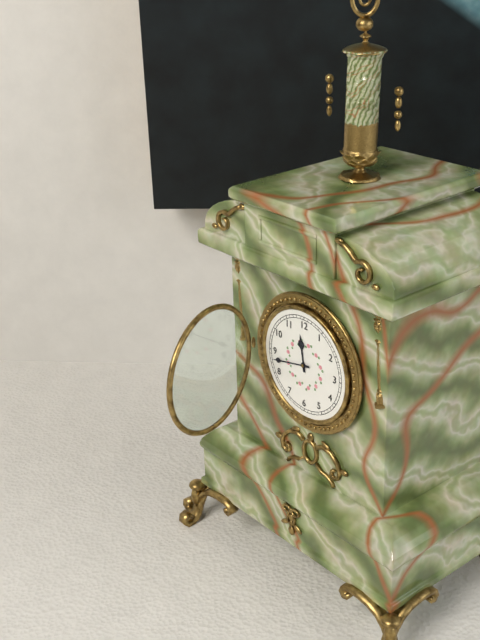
11,43
